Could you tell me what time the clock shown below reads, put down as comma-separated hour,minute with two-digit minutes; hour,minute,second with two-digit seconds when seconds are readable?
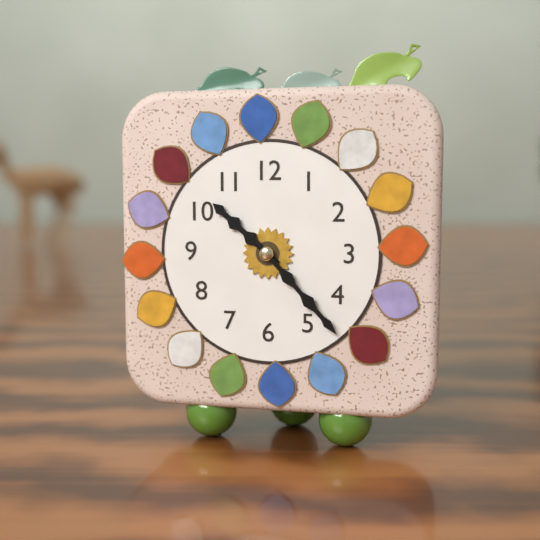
10,23
